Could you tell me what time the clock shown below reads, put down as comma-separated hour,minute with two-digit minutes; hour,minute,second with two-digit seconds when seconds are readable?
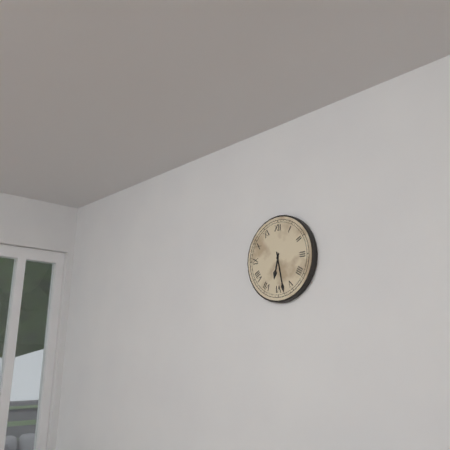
6,28
